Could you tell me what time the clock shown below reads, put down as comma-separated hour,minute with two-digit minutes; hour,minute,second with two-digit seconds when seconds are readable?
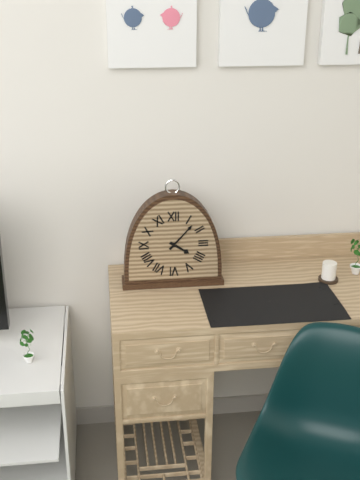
4,07
